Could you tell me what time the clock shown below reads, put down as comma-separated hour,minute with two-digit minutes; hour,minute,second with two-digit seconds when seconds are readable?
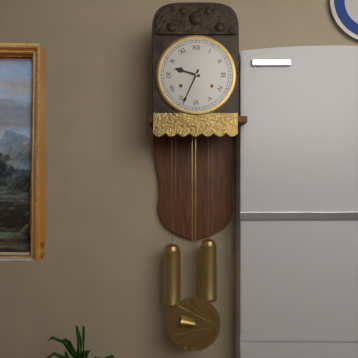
9,34
